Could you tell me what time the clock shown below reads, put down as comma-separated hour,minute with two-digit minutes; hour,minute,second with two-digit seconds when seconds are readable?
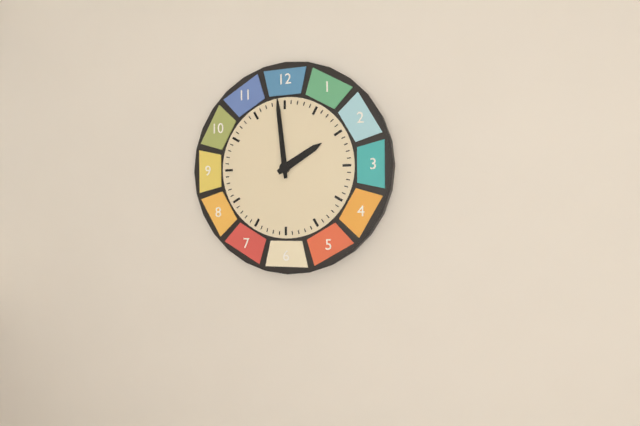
1,59
